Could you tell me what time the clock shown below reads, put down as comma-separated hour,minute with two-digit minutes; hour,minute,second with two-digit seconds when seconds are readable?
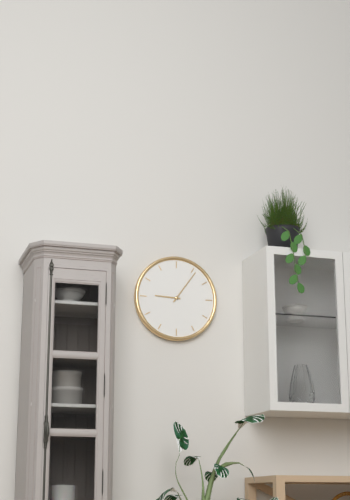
9,06
